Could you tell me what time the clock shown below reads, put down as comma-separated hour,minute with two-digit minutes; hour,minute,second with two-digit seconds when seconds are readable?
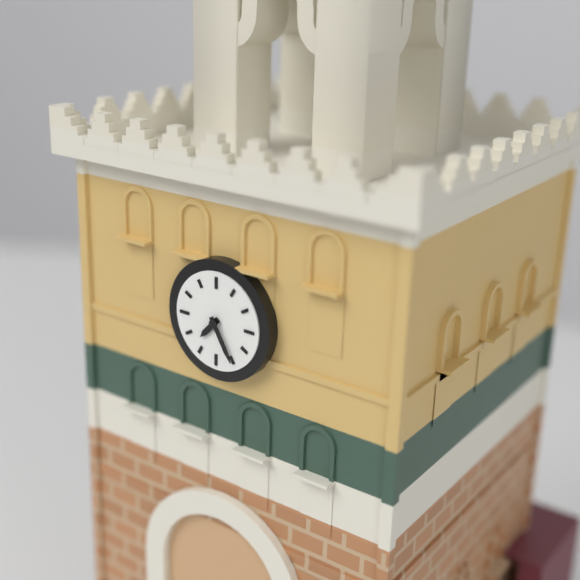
7,25
